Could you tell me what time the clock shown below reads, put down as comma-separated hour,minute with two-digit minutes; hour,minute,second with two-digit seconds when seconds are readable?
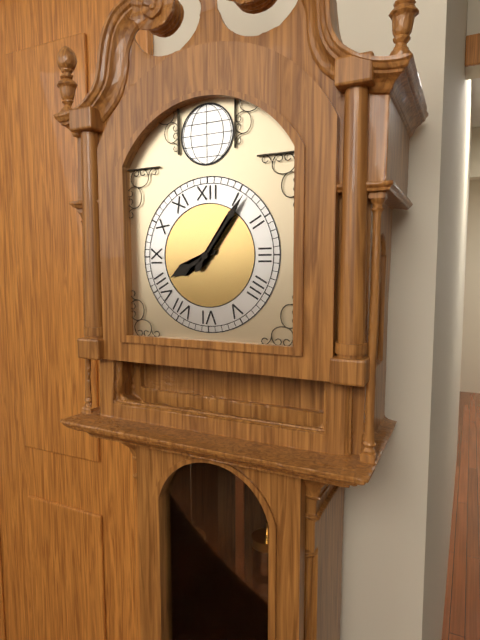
8,06
